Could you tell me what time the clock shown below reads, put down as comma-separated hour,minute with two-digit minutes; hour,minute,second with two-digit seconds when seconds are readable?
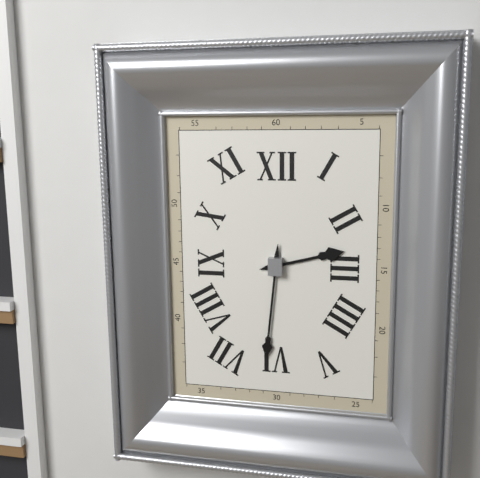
2,31
